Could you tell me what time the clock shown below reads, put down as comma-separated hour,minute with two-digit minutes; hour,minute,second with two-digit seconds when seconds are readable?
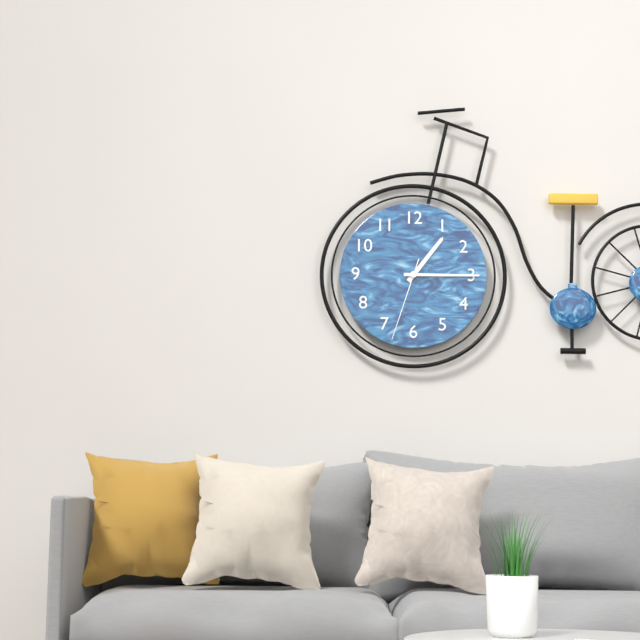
1,15,33
